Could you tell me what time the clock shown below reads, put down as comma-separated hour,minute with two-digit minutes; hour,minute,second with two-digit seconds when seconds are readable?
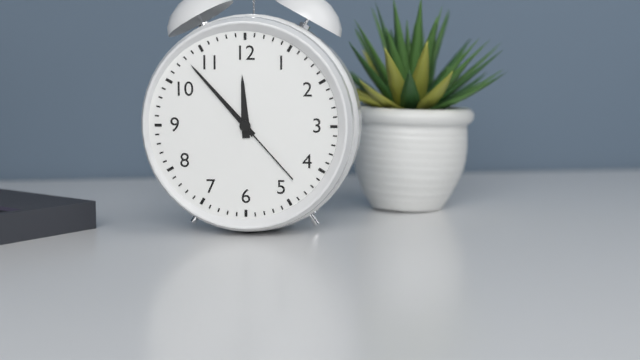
11,53,23
